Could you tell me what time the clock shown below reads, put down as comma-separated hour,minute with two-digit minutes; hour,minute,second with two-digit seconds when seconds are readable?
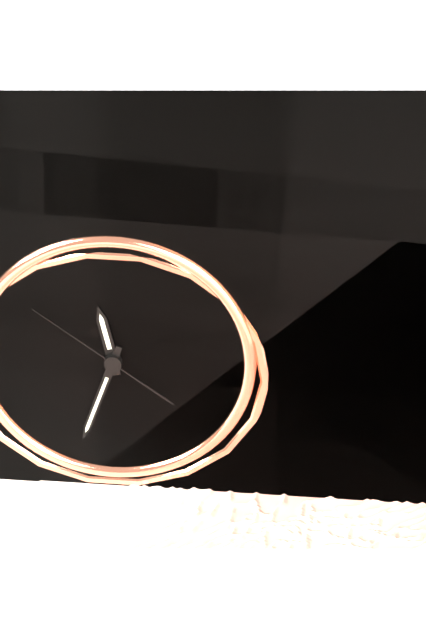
11,33,51
